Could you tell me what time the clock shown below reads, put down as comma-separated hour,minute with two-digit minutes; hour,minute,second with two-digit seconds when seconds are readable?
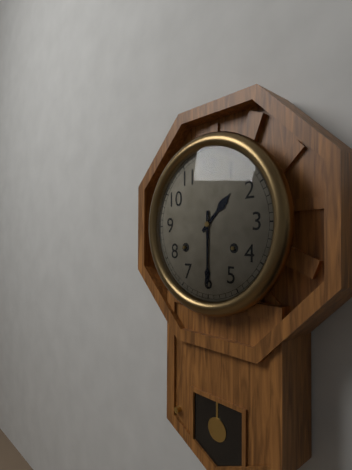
1,30
